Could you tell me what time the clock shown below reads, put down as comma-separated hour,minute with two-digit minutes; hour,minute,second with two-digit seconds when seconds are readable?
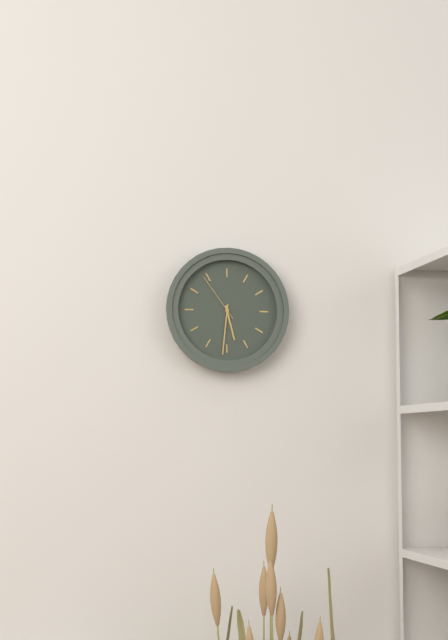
5,31,54
